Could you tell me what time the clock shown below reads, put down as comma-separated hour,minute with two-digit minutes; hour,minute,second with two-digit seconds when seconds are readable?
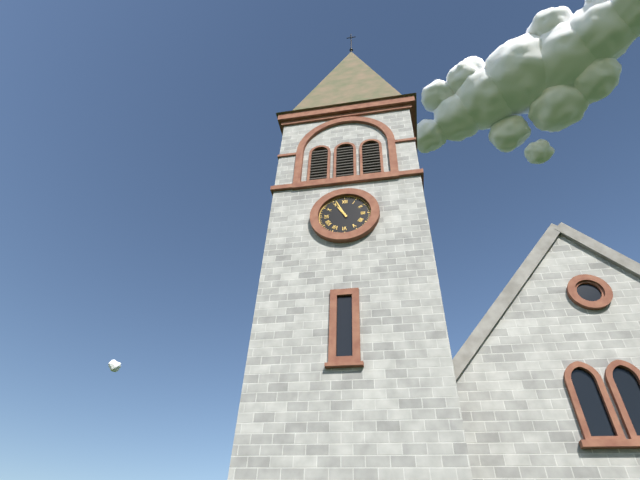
10,56
